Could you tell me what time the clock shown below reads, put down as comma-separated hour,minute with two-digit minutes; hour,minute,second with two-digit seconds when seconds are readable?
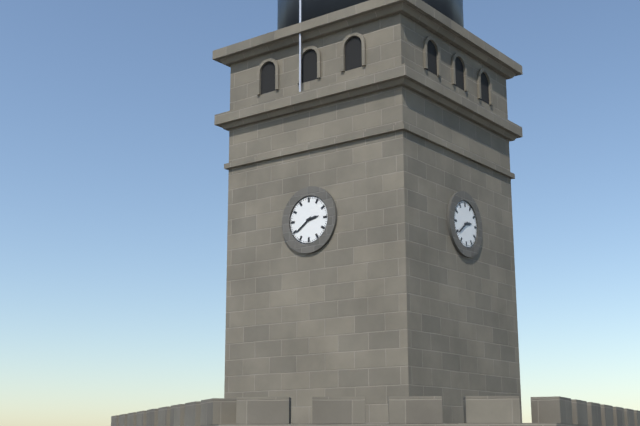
2,39
